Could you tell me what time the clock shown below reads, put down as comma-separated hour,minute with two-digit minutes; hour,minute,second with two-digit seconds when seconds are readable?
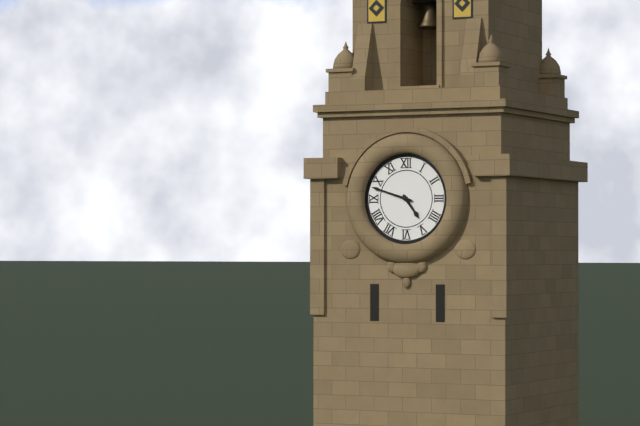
4,48
